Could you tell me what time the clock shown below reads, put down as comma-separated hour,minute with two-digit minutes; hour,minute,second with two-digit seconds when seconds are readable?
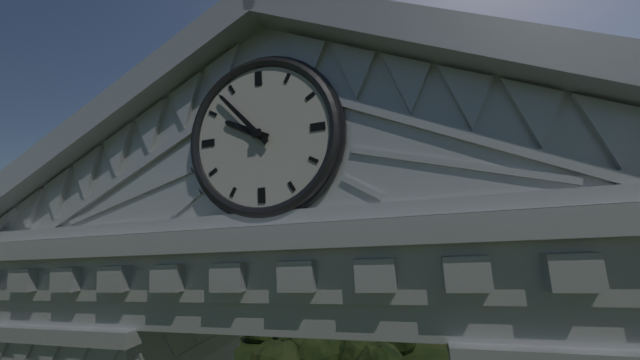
9,53
